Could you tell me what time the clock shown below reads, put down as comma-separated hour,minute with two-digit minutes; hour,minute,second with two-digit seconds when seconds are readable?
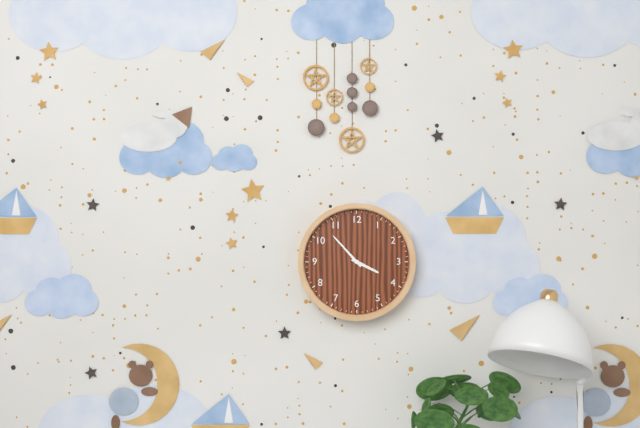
3,53
